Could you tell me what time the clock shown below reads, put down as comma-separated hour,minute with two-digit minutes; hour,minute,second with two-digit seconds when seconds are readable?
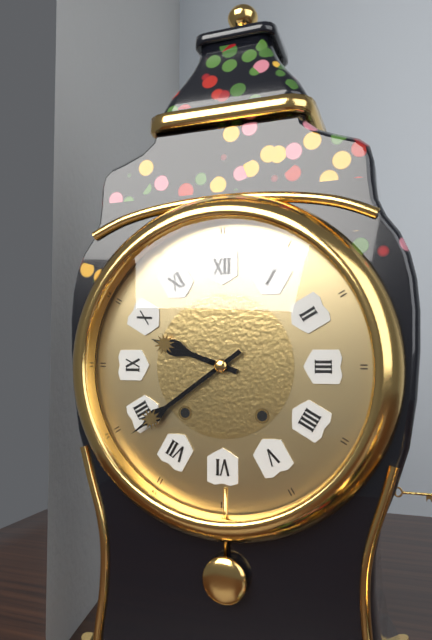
9,39
